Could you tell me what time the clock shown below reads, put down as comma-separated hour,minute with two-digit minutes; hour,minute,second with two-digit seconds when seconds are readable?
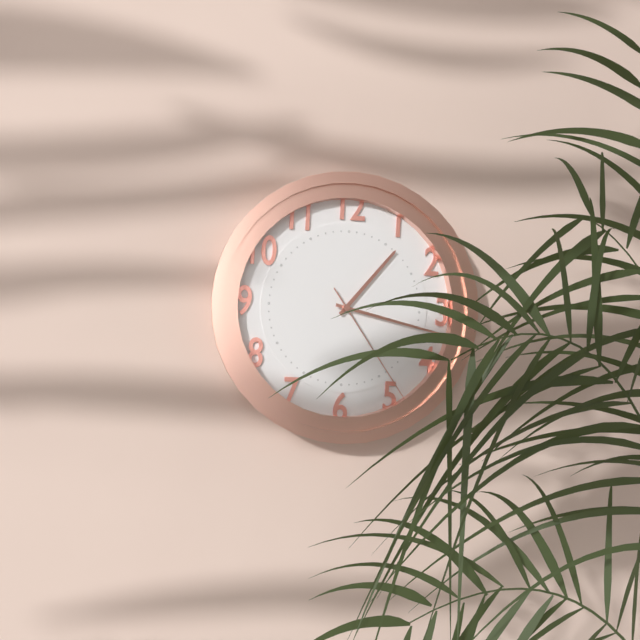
1,17,24
